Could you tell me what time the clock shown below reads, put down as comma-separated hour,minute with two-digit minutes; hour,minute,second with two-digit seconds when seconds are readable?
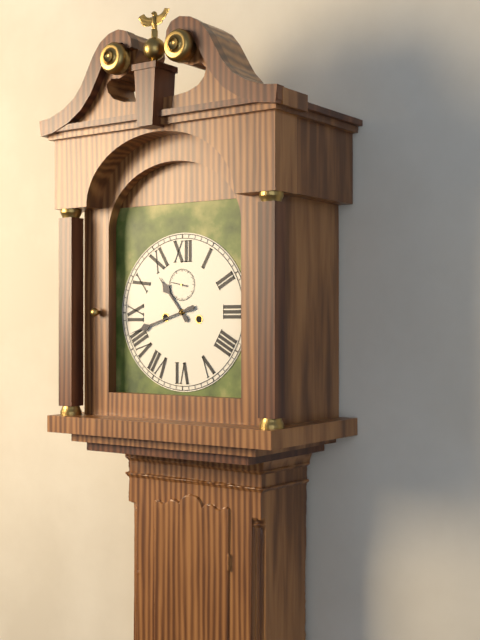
10,42
